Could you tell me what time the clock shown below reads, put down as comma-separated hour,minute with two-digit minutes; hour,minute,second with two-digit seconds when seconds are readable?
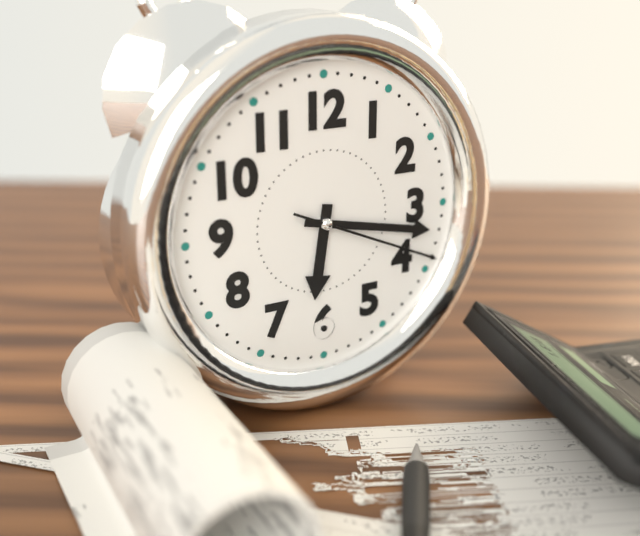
6,17,19
